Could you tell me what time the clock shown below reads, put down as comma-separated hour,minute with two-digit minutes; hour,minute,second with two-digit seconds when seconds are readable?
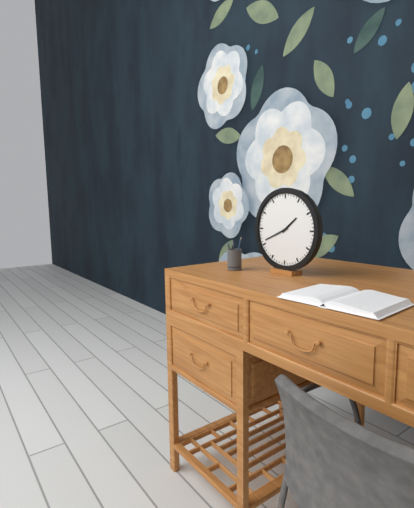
1,41
